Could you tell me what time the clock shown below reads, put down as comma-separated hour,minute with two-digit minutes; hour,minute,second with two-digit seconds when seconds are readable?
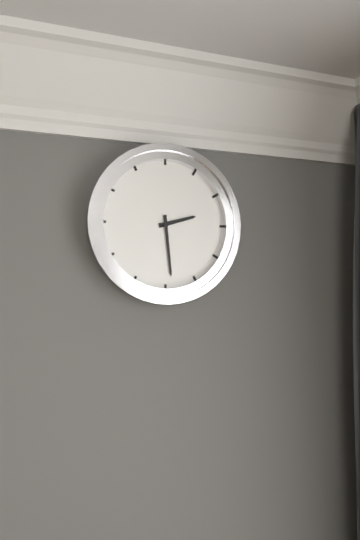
2,29
